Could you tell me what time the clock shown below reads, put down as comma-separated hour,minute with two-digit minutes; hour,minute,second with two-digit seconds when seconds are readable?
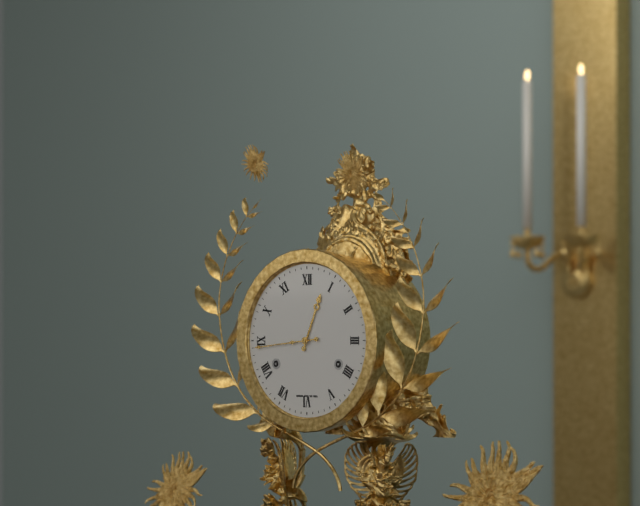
12,44
